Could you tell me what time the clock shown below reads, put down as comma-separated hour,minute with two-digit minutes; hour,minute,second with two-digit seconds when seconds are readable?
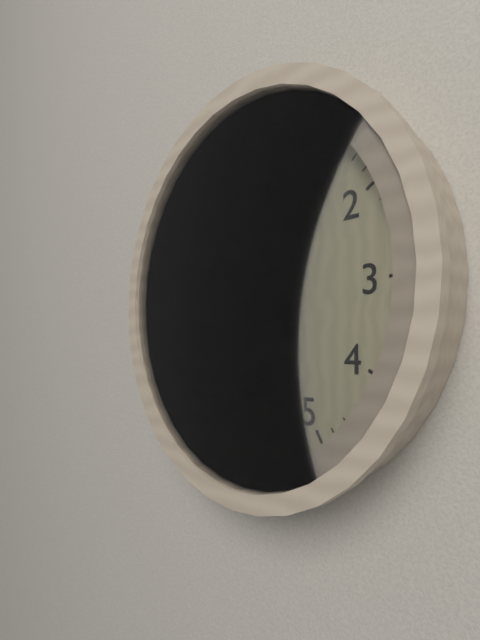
11,39,05
